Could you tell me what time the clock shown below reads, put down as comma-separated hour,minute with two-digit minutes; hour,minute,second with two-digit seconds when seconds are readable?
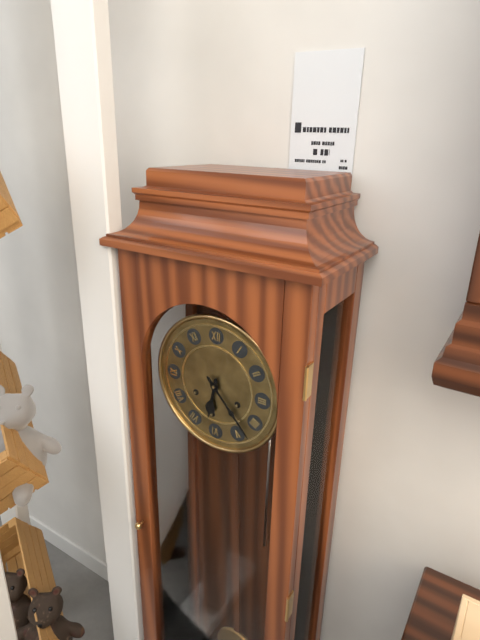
6,23
